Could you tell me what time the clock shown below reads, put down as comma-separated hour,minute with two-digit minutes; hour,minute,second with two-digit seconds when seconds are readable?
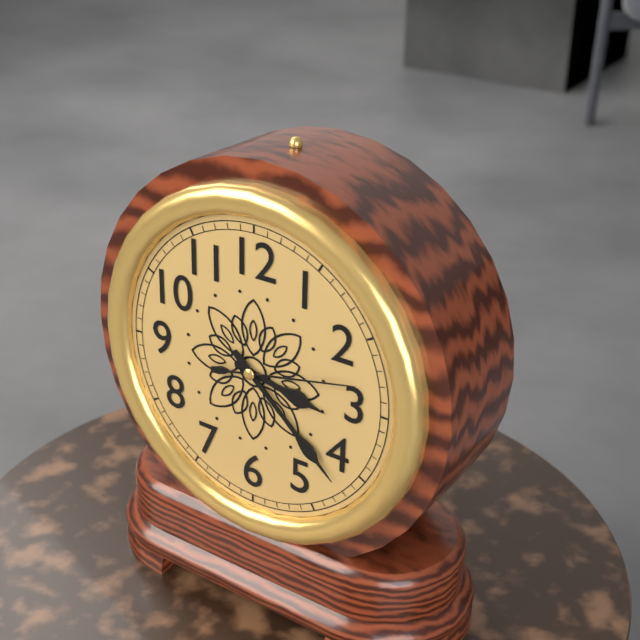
3,22,13
